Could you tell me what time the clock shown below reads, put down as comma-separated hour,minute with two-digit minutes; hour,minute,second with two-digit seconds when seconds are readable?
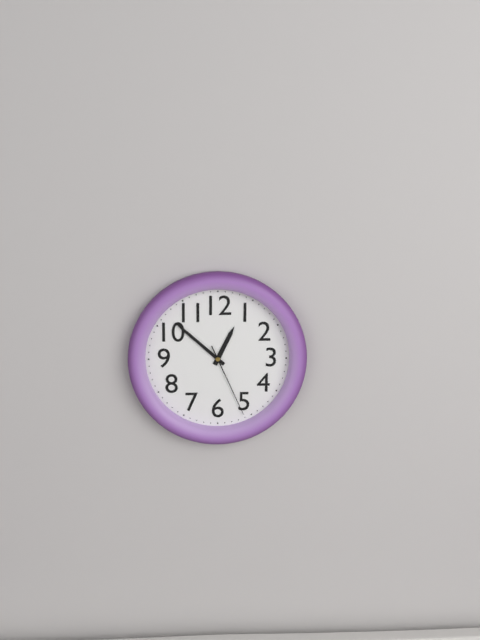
12,52,26
